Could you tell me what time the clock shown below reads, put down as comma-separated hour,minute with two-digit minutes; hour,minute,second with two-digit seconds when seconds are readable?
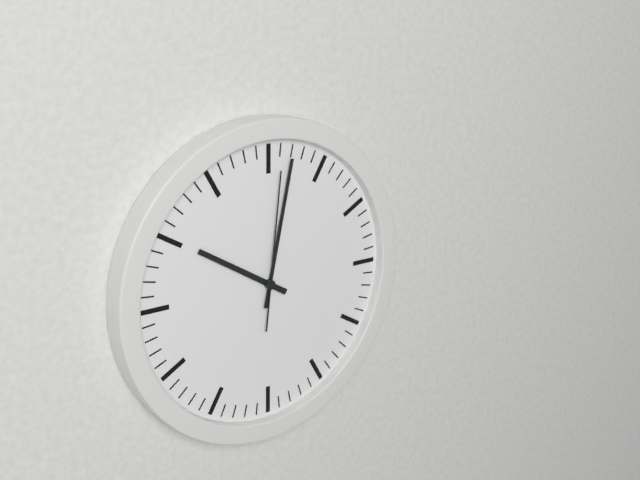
10,02,01
